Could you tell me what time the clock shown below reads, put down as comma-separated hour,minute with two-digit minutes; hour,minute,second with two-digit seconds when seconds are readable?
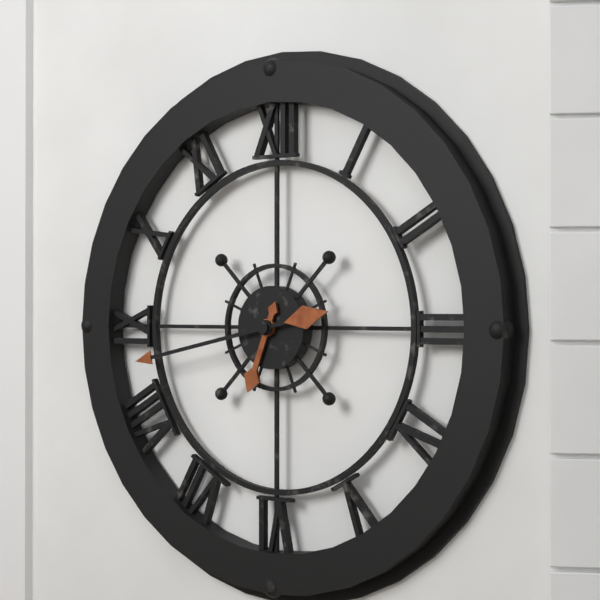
6,43
